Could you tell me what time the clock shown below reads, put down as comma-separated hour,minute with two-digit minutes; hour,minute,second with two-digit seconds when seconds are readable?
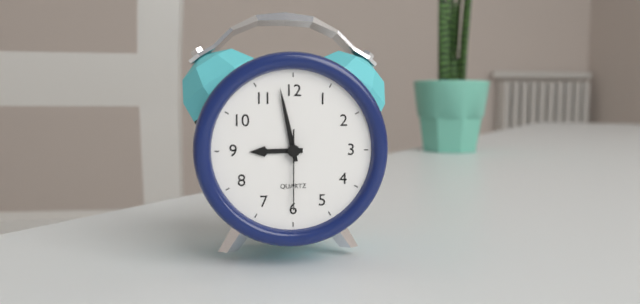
8,58,30
